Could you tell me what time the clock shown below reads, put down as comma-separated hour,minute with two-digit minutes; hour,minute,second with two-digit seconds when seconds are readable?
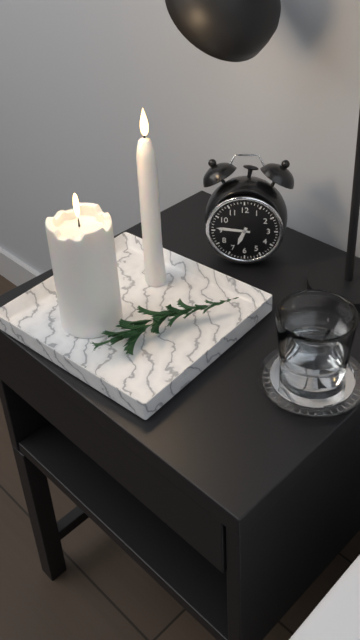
6,46
